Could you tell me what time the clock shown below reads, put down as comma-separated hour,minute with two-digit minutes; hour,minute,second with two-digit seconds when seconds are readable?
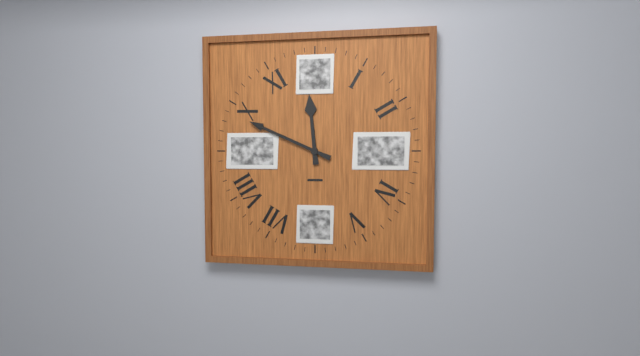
11,49
